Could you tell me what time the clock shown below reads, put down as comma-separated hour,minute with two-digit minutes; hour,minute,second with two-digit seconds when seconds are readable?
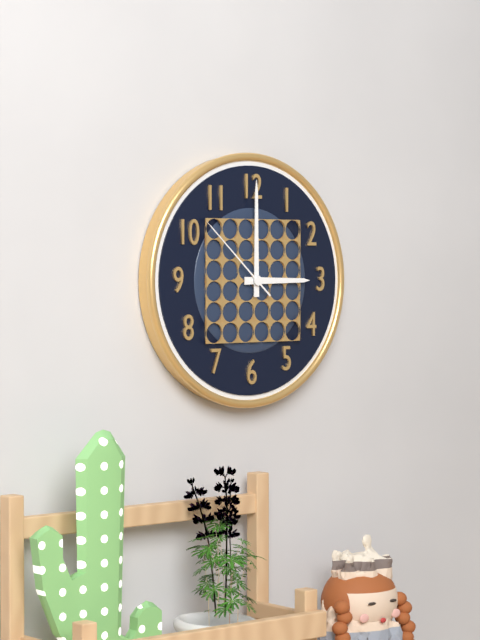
3,00,52
